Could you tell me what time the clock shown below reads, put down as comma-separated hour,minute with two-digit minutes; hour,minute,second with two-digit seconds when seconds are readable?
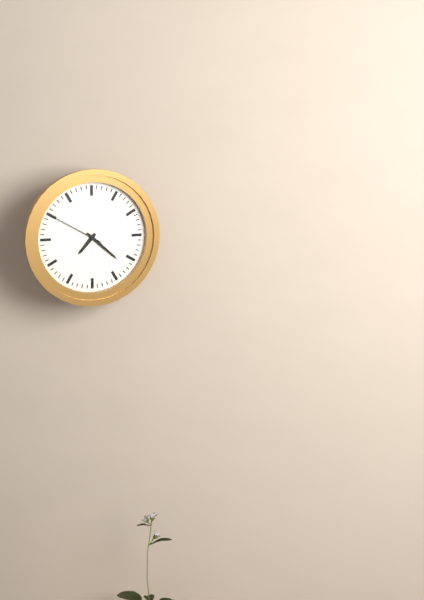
7,22,50
